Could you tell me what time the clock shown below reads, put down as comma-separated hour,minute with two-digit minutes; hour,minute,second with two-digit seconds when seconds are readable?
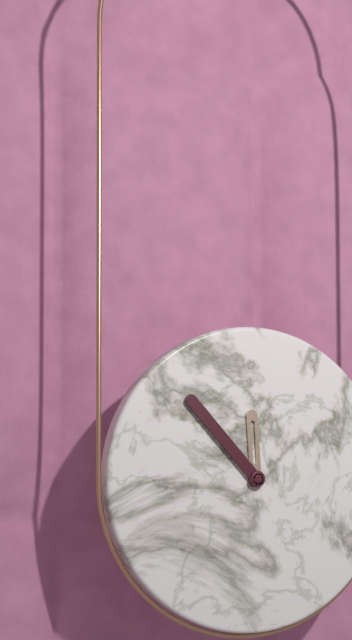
11,53
